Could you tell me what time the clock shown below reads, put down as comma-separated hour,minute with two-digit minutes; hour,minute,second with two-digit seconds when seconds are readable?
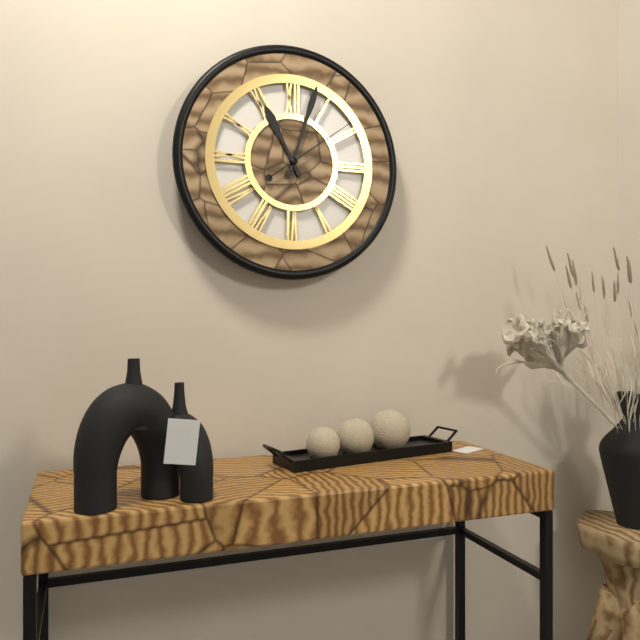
11,03,09
